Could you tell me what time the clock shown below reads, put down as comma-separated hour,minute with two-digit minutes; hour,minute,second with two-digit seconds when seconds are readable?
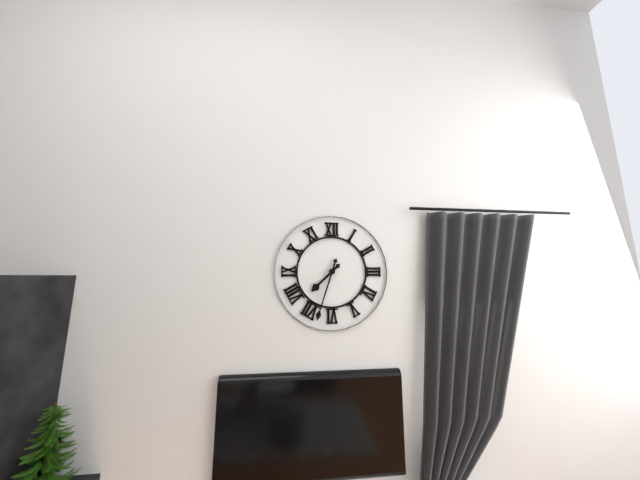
7,33
